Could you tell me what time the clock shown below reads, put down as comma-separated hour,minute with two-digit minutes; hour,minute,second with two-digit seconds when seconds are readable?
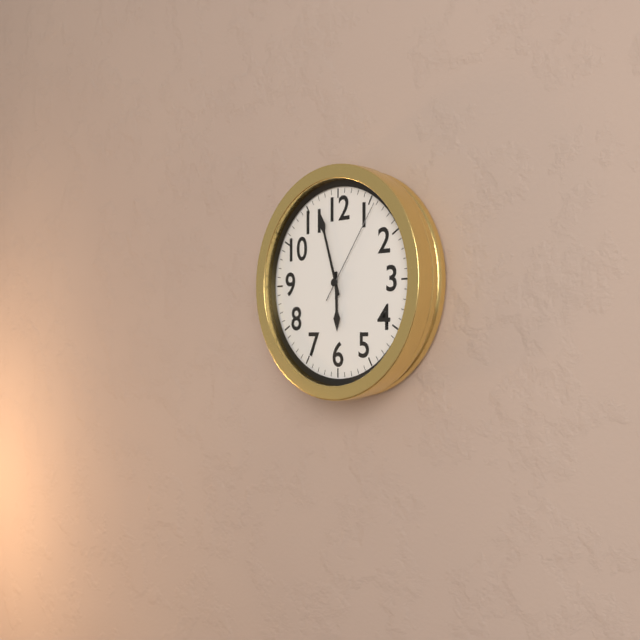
5,57,06
